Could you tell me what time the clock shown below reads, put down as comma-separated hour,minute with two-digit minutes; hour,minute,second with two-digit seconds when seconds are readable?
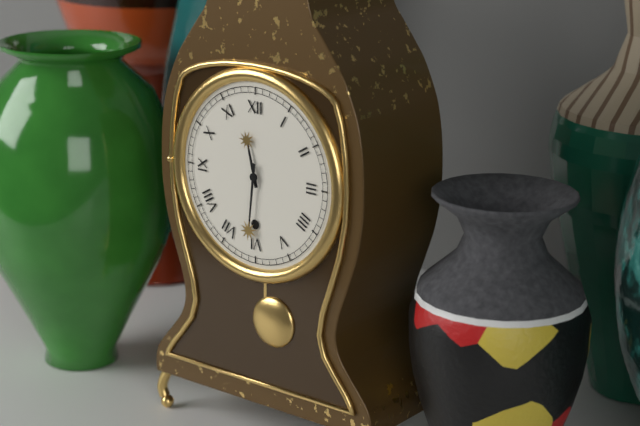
11,31
